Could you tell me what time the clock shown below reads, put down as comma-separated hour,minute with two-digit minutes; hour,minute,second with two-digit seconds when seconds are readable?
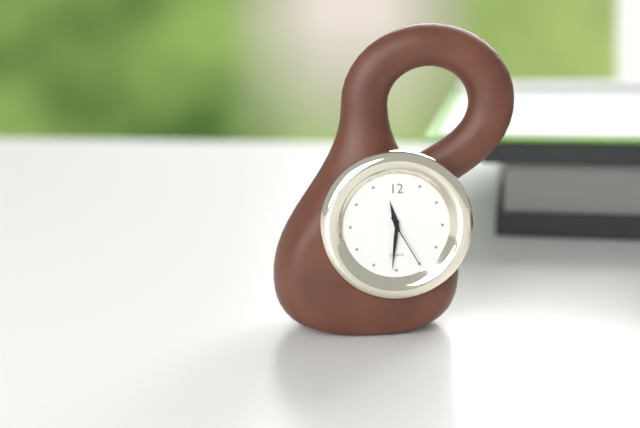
11,31,25
